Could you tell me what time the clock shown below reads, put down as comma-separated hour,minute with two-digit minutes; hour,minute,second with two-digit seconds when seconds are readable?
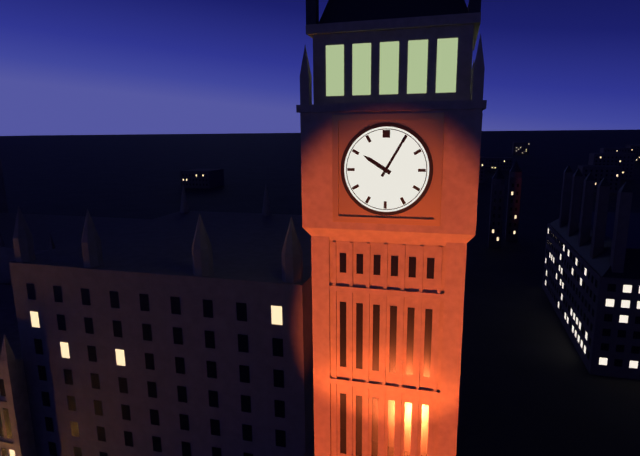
10,05
